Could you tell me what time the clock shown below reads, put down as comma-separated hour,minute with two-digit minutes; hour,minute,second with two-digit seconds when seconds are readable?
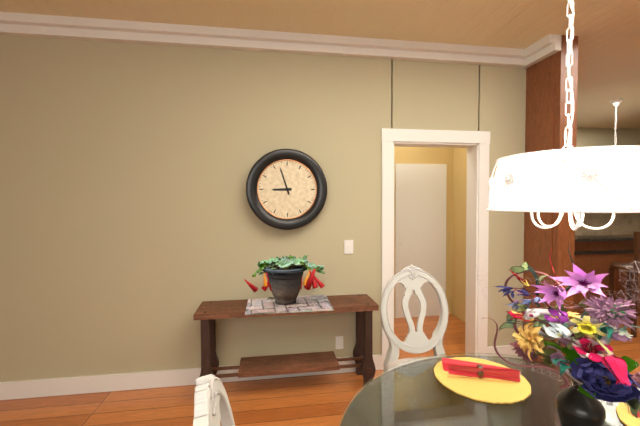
8,57
